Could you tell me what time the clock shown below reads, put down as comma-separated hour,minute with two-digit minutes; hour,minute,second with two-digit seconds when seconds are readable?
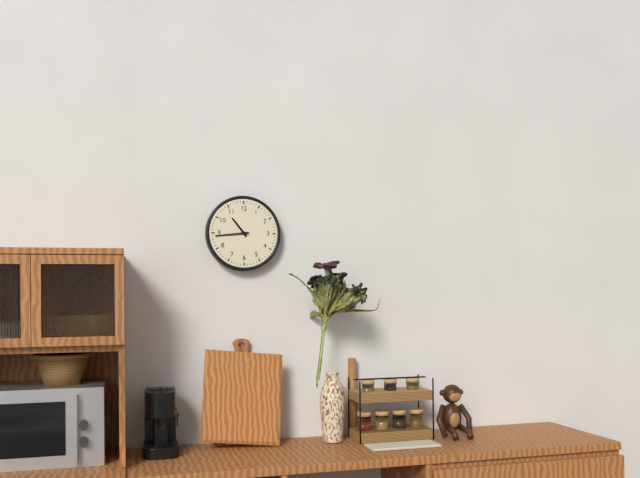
10,44
